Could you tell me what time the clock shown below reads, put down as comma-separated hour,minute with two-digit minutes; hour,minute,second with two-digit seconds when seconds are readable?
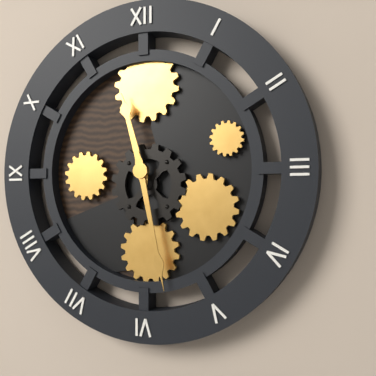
11,28
